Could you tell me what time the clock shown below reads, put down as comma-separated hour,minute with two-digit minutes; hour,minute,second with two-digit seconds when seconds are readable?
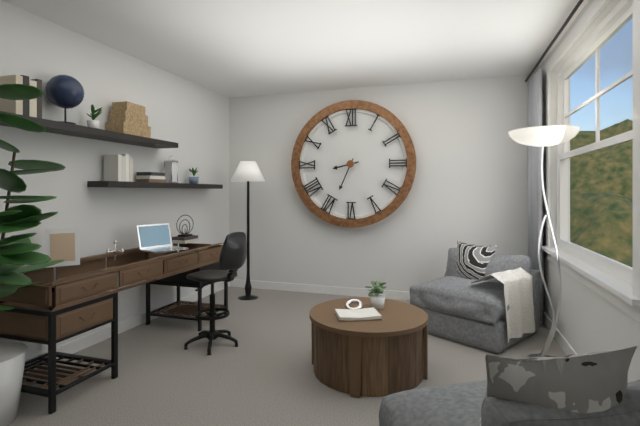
8,34
